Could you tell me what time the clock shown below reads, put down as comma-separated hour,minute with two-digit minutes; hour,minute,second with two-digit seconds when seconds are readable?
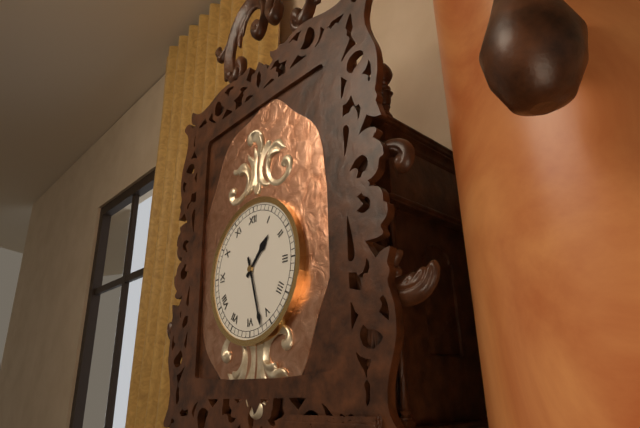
1,27
